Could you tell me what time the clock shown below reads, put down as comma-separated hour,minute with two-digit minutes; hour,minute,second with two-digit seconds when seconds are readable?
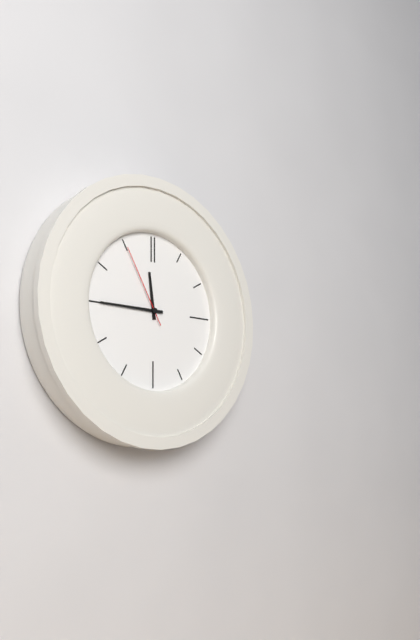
11,45,55
